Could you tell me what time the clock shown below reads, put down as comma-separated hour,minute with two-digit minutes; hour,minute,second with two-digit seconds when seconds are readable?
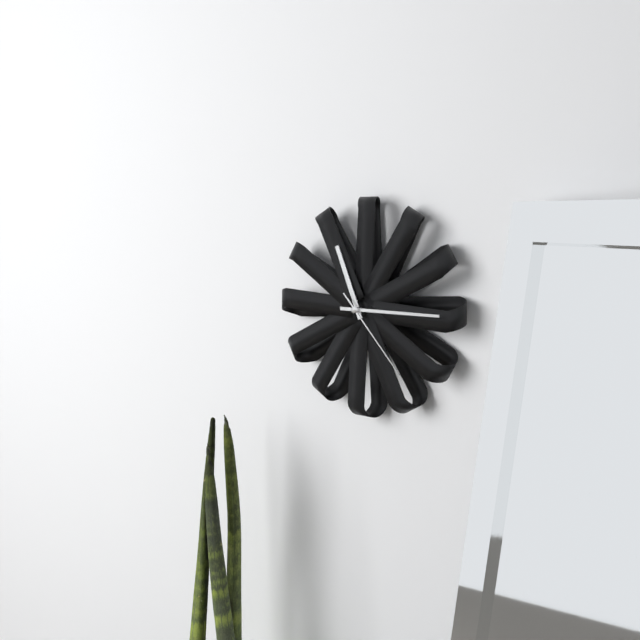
11,15,23
